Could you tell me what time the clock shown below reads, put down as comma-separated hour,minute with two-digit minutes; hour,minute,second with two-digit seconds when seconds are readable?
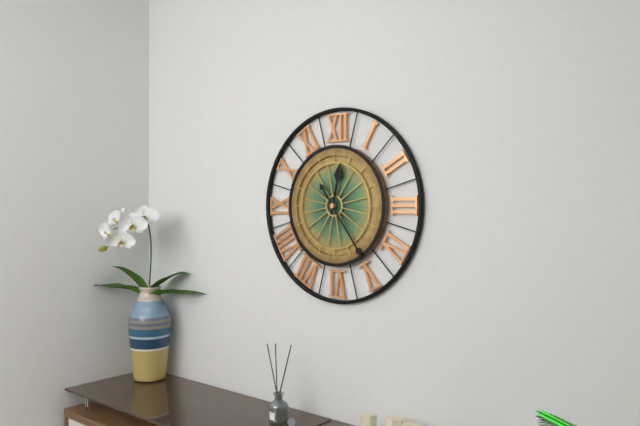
12,24
